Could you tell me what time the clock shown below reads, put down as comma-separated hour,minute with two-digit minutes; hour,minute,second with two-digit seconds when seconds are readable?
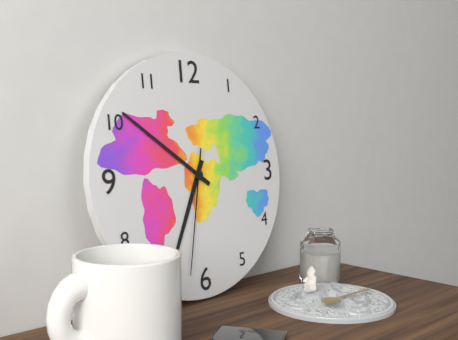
6,51,32
